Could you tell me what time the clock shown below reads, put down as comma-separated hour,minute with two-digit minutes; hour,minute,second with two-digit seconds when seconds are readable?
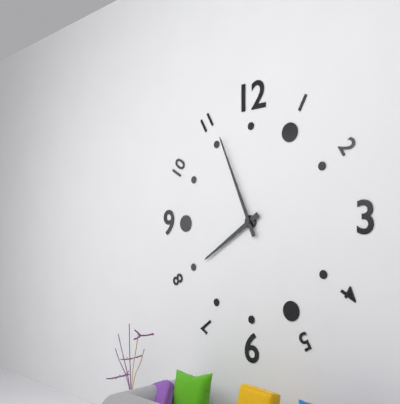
7,56
